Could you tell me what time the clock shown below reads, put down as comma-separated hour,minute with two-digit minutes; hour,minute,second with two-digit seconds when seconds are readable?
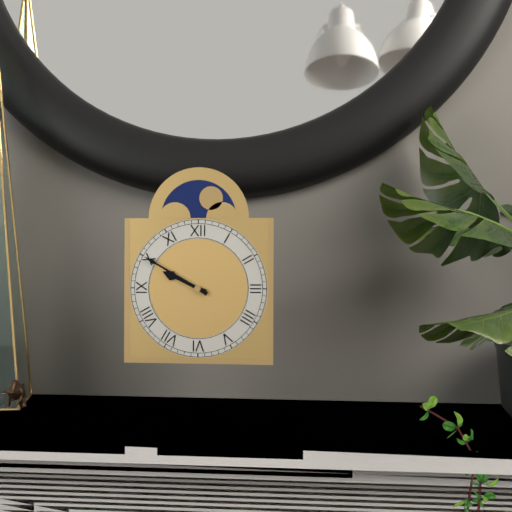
9,50
